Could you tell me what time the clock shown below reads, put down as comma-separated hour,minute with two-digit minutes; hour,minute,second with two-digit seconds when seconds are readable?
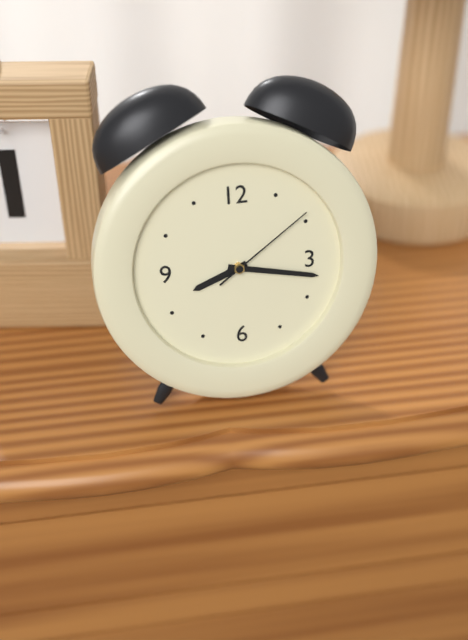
8,17,09
